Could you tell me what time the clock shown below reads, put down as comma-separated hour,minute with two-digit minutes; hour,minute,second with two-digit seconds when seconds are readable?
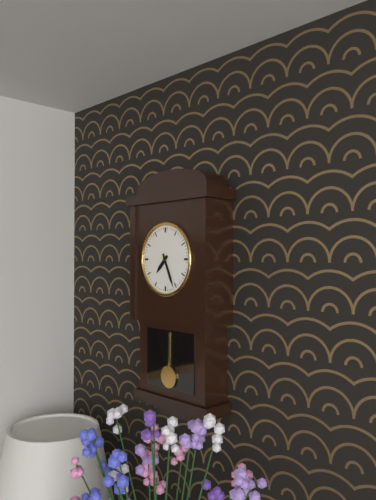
7,26
